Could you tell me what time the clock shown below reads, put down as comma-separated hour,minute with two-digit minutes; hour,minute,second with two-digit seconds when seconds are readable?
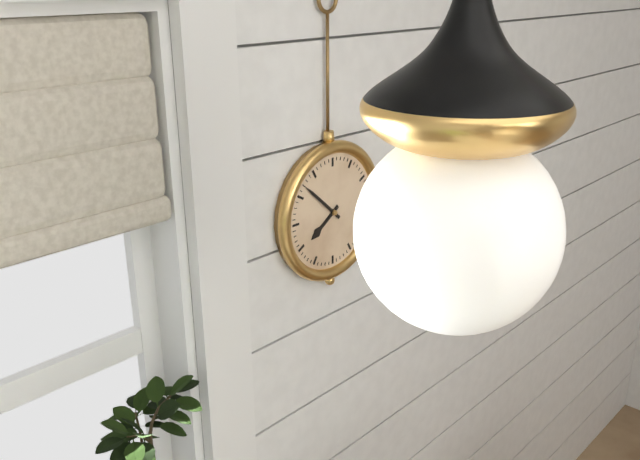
7,52
